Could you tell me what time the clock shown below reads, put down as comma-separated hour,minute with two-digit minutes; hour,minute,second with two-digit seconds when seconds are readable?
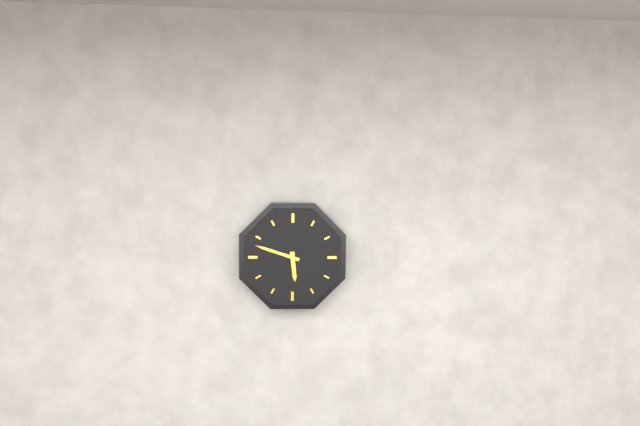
5,48
